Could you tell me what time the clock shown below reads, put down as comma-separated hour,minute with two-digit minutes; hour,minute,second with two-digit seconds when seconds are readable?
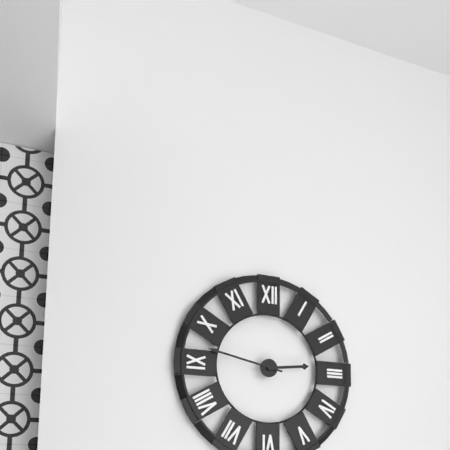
2,47
